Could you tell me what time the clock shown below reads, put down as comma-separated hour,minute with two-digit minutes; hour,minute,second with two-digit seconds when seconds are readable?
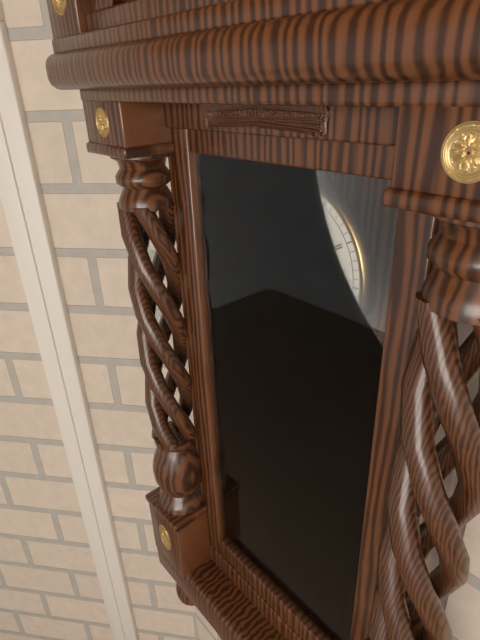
11,30
